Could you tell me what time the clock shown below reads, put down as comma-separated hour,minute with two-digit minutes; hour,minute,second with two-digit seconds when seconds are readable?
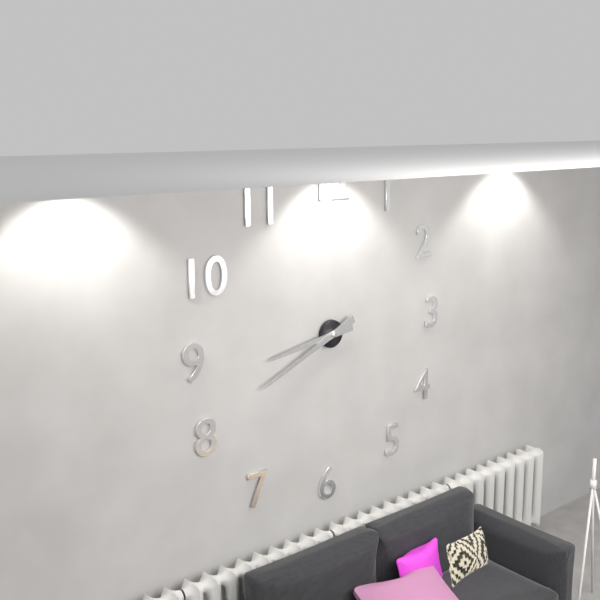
8,41
